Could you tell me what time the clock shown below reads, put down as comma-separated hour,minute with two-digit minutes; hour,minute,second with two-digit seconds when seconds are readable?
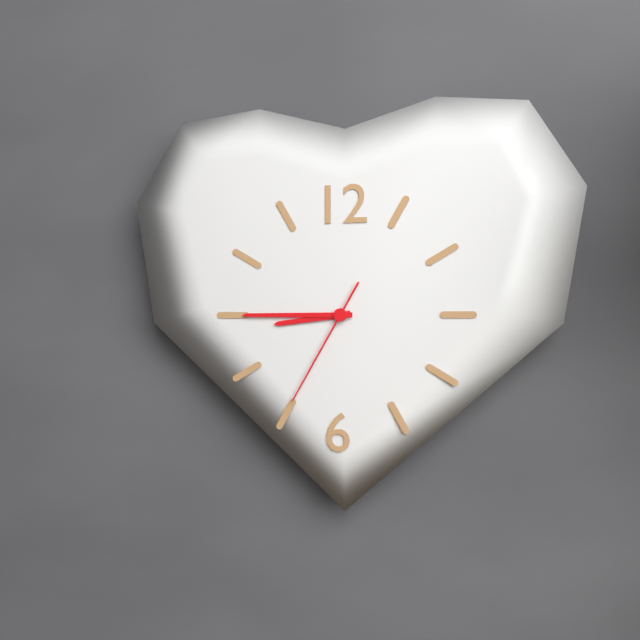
8,45,35
